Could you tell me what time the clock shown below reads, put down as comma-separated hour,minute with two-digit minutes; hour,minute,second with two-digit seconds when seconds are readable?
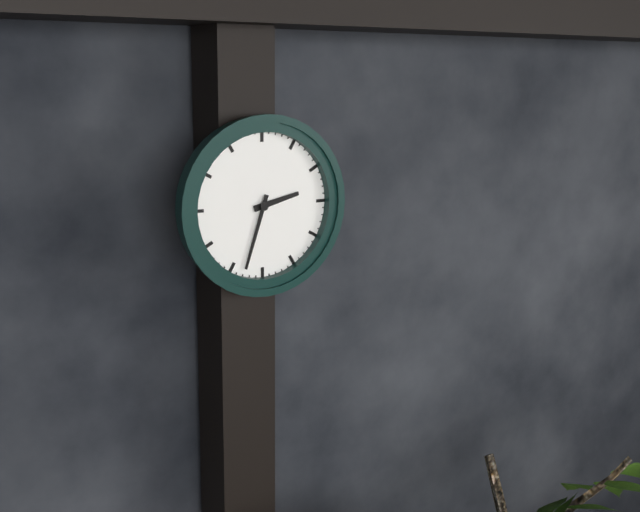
2,33
